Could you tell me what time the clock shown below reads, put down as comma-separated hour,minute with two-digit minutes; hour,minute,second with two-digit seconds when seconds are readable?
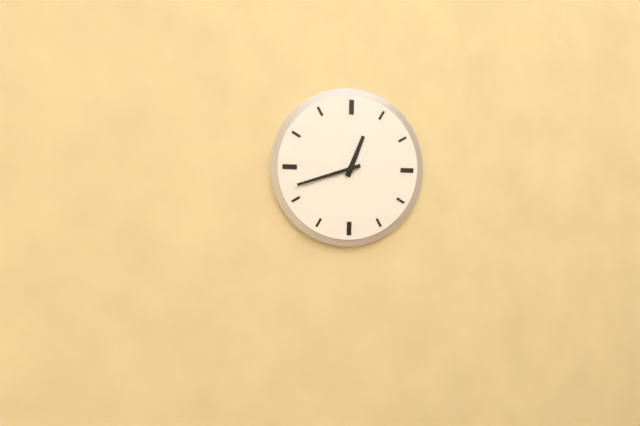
12,42
